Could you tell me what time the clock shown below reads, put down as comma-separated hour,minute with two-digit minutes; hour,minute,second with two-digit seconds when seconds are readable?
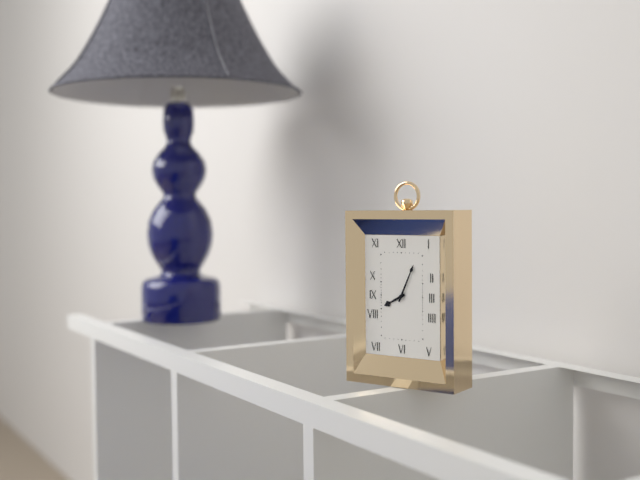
8,04
